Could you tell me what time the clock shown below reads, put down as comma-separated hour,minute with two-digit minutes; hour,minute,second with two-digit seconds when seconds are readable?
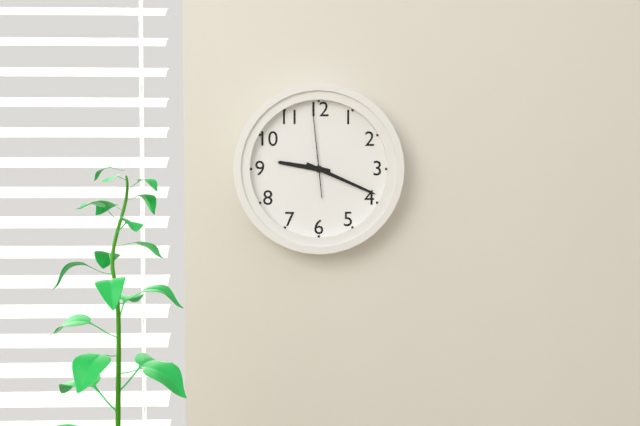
9,19,59
